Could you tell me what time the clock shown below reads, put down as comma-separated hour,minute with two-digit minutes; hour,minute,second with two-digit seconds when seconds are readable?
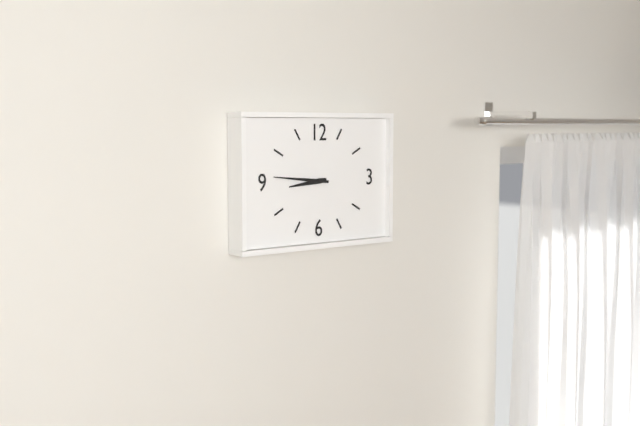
8,46
